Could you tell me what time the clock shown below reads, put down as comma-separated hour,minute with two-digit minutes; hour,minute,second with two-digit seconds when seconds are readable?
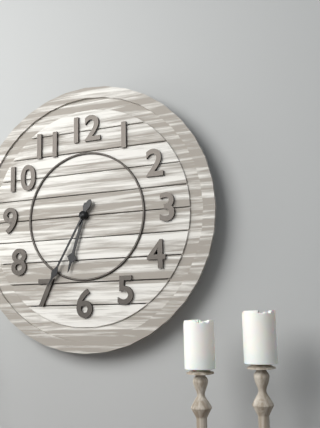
6,35
